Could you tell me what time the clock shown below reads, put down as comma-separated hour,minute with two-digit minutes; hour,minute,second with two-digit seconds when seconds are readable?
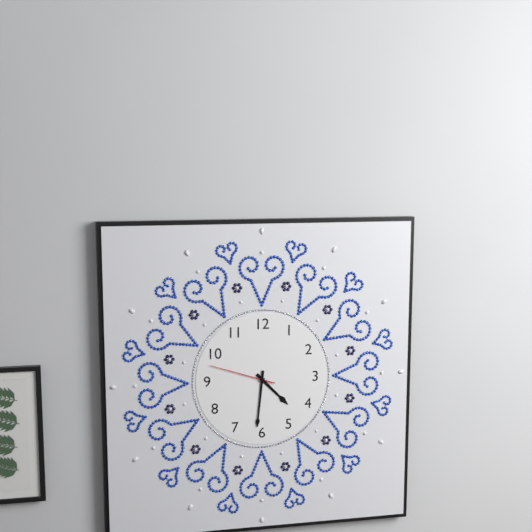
4,31,48
